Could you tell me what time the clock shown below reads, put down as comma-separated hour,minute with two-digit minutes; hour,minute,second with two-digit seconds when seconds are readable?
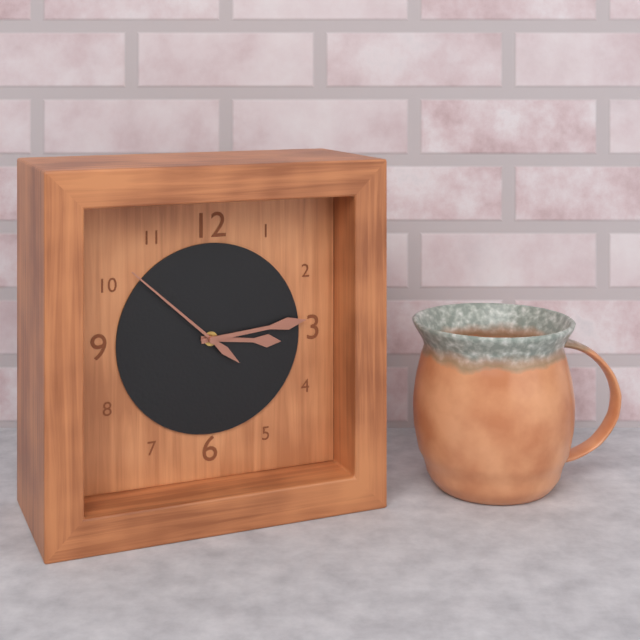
3,14,52
